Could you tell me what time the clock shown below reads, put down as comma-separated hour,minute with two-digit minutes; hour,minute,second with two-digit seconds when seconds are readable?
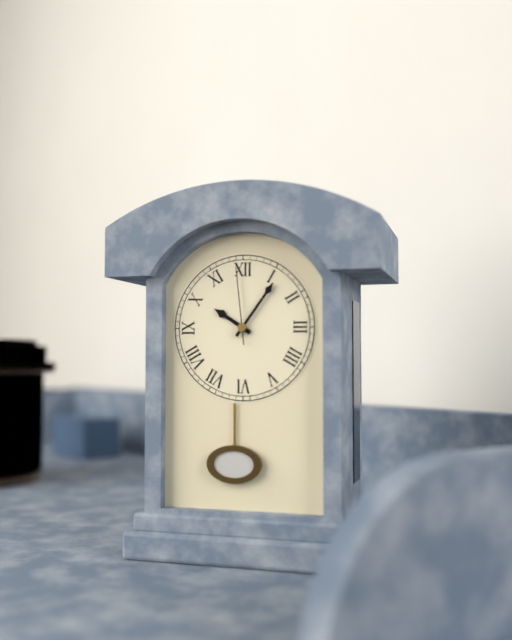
10,06,59
